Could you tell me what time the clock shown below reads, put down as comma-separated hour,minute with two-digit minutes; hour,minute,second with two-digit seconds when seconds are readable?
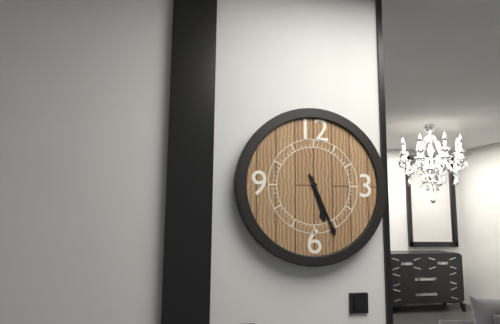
5,26
